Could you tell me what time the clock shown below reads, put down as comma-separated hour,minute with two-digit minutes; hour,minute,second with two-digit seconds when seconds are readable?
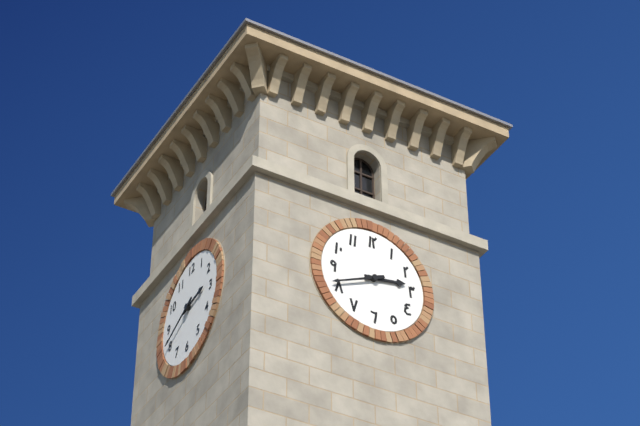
2,41
